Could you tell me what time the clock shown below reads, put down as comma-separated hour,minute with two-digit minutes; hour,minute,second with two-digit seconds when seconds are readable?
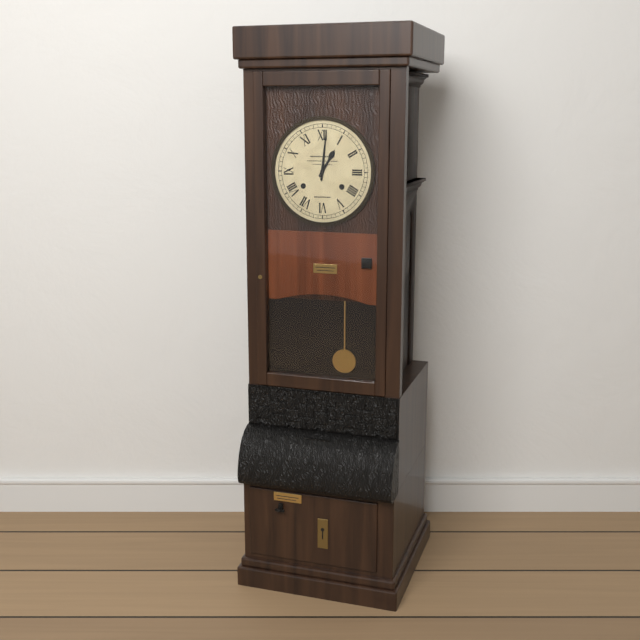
1,01
